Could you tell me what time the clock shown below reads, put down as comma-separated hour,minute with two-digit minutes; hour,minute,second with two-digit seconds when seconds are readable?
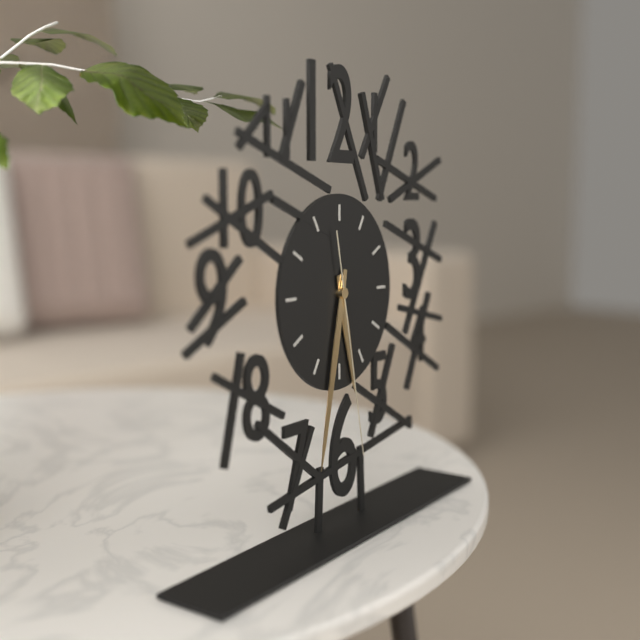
5,32,28
